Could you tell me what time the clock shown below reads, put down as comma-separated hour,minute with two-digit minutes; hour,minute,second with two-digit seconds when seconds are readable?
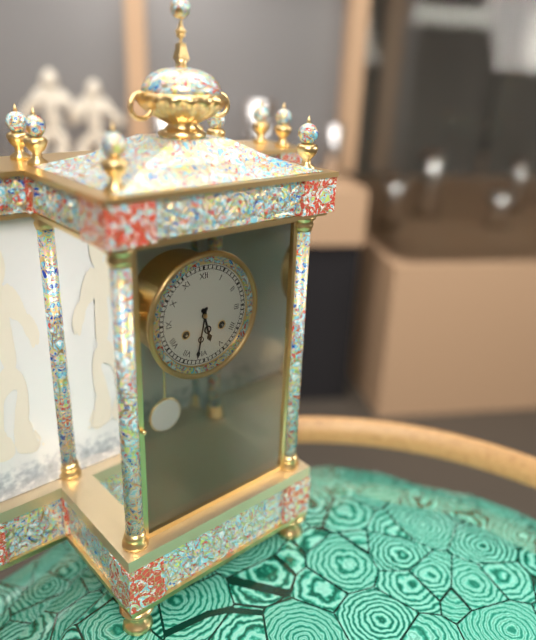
5,32
